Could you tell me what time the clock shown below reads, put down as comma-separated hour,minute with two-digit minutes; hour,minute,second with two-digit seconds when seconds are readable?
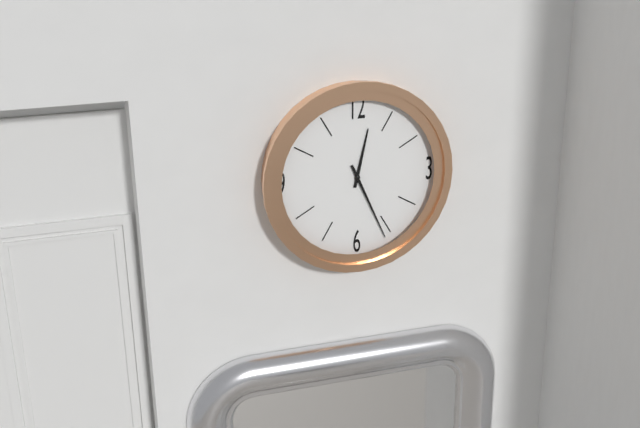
12,26
